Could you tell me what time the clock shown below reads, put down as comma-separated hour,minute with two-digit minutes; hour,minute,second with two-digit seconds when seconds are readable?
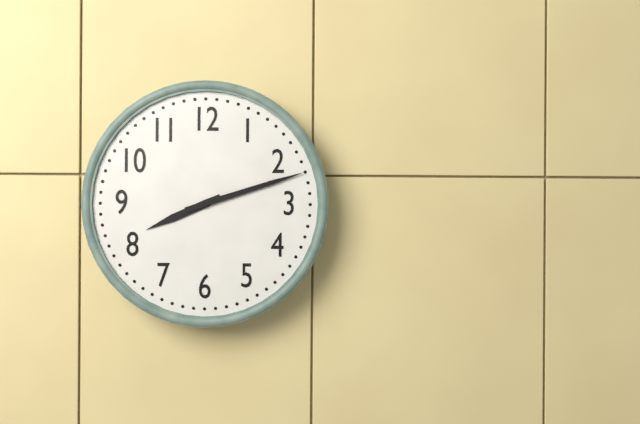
8,12
